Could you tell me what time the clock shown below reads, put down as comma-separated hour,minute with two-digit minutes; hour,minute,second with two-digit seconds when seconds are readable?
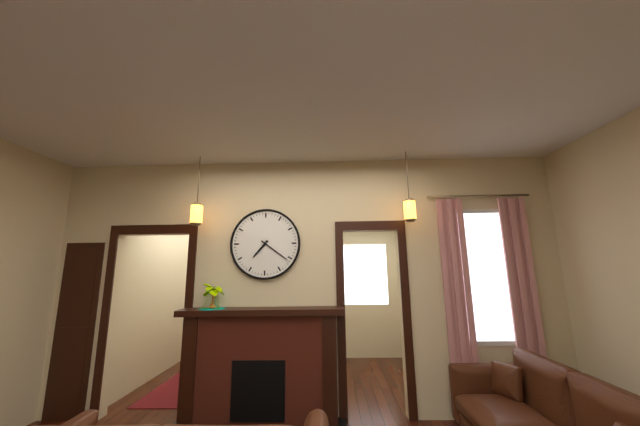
7,21
